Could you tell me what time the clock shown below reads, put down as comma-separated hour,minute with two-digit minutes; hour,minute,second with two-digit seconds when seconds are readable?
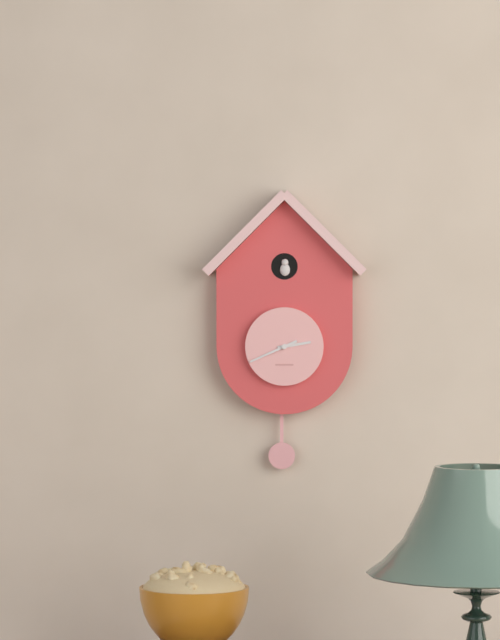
2,41
